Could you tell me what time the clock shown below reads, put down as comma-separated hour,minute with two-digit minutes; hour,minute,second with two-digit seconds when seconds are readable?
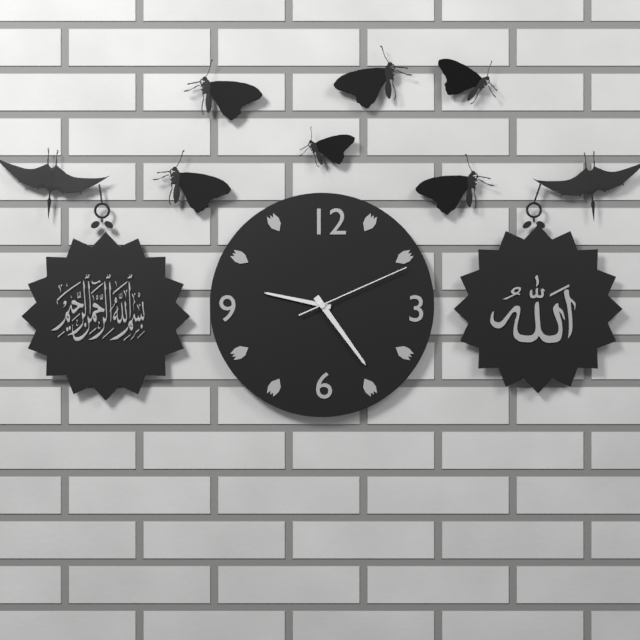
9,24,11
